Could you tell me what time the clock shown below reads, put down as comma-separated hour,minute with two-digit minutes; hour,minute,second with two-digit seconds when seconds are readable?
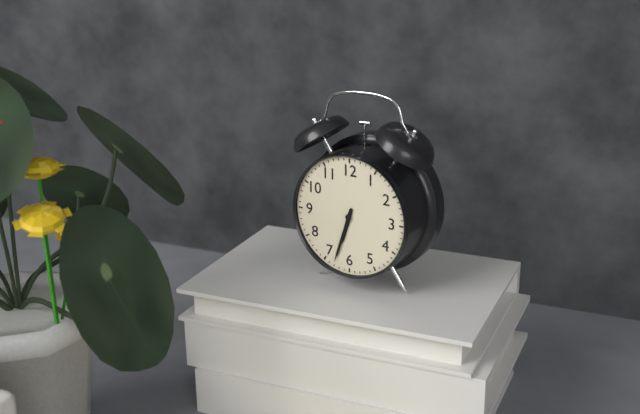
6,33
